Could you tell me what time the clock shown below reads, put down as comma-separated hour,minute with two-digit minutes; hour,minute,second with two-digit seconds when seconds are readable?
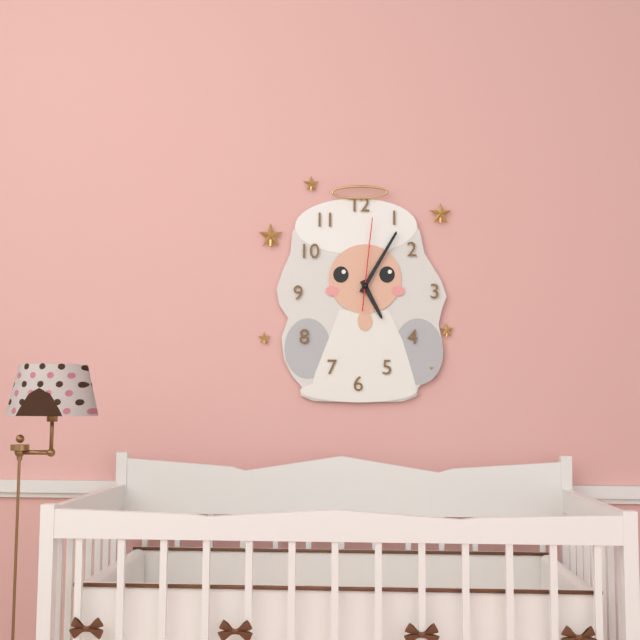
5,05,01
